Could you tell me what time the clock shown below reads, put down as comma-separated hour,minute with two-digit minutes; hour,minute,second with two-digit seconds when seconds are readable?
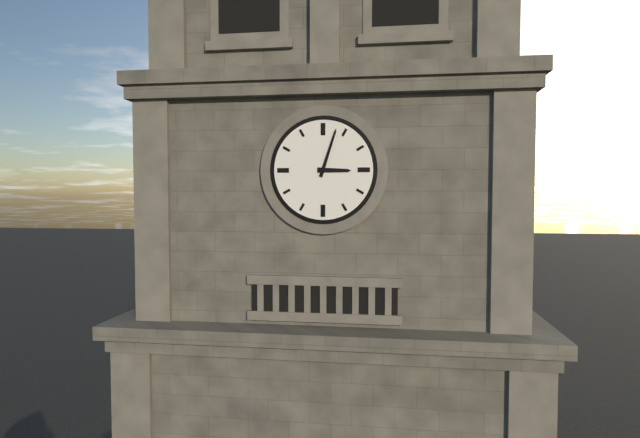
3,03
